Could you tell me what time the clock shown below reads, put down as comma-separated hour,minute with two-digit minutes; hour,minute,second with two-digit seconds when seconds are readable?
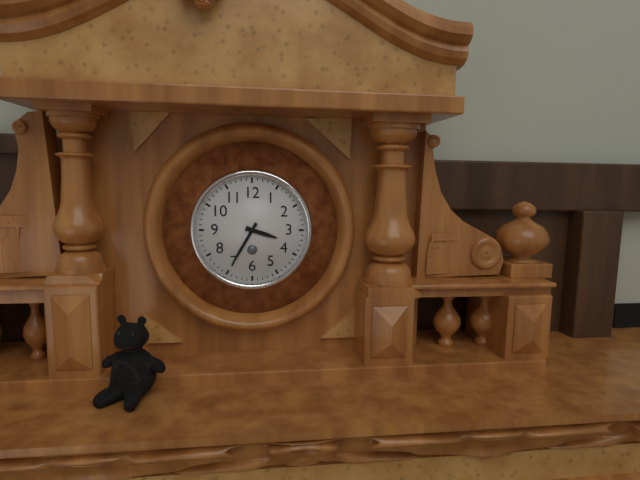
3,35
